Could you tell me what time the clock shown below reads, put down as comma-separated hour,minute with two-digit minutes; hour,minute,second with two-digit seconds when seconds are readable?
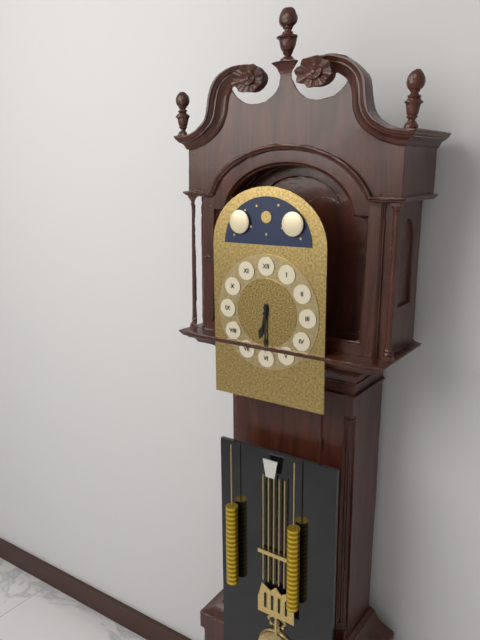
6,30
